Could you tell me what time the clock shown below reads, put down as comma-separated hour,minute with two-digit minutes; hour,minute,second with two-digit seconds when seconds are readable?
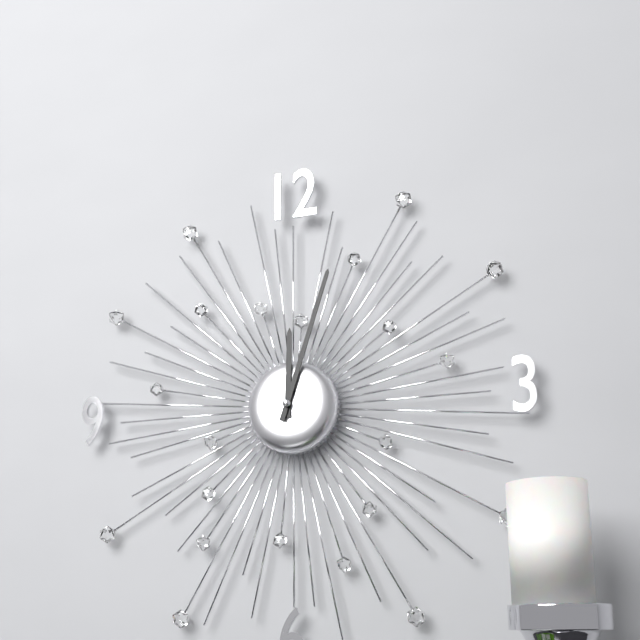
12,03
